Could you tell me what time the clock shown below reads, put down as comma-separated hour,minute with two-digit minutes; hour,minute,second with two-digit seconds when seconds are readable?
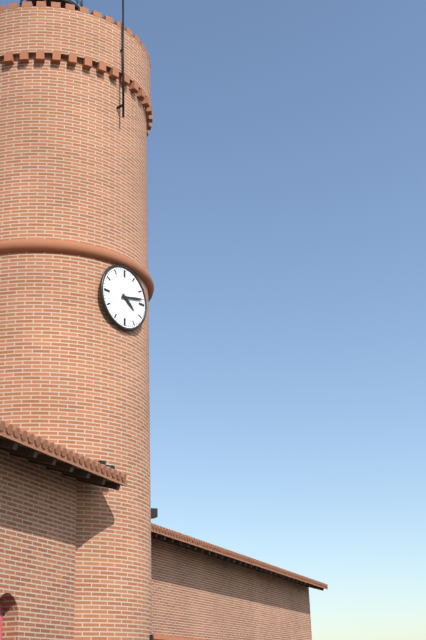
4,13
